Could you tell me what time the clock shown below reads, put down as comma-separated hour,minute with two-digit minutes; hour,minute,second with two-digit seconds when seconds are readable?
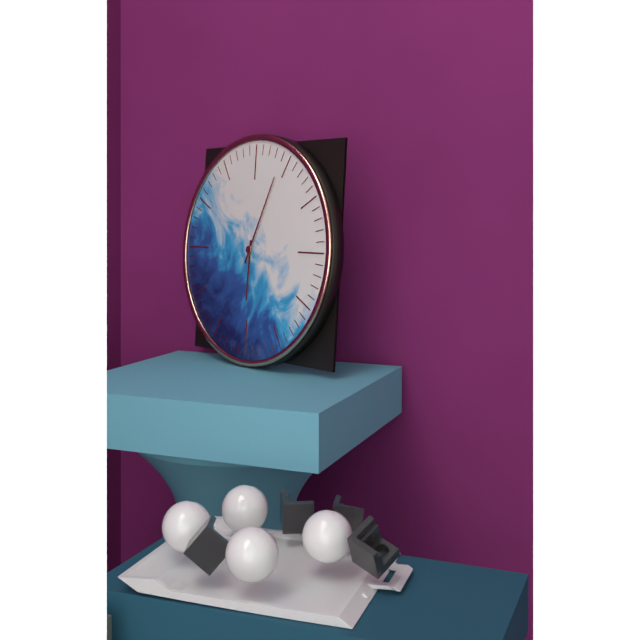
6,04
